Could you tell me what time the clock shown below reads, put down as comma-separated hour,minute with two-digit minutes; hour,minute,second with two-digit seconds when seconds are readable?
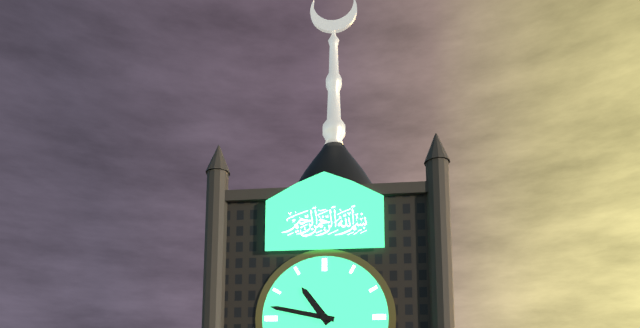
10,47
